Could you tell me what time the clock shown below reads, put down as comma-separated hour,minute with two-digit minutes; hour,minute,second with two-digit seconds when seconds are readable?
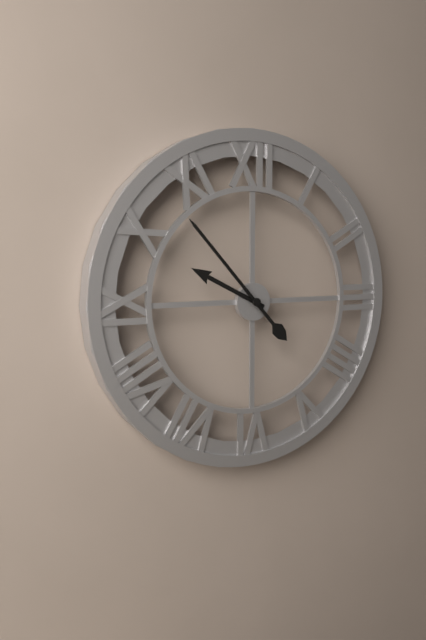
9,53
